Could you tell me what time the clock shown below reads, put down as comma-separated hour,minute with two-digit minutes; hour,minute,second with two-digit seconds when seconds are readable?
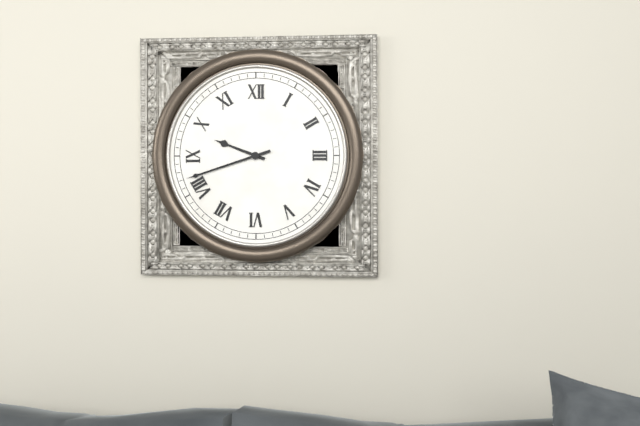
9,42
